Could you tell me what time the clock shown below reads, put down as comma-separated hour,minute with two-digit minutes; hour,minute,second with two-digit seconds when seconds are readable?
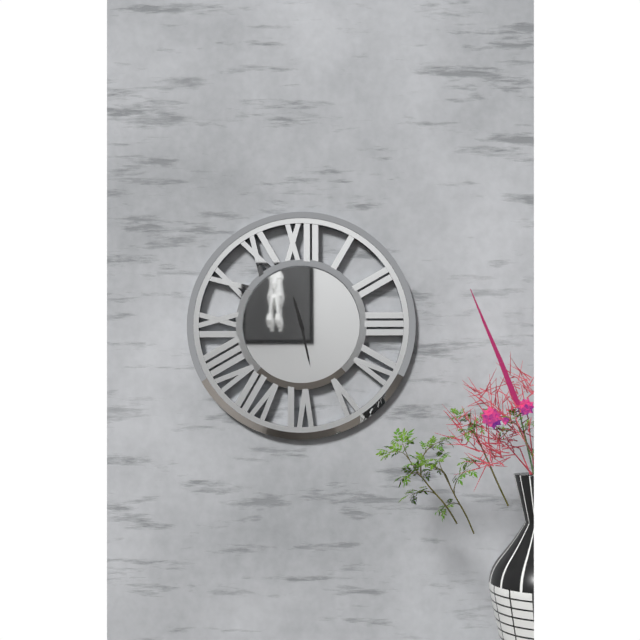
11,28
